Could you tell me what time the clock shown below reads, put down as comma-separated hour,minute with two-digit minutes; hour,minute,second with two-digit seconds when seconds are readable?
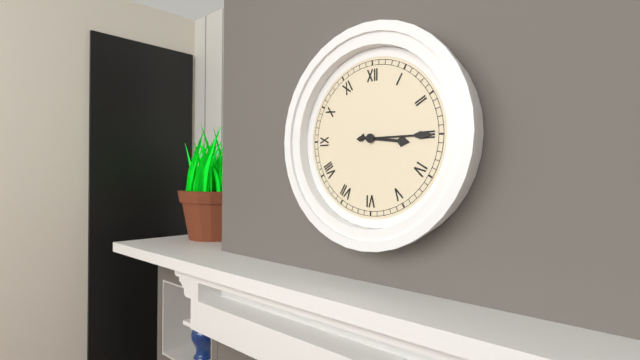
3,15
